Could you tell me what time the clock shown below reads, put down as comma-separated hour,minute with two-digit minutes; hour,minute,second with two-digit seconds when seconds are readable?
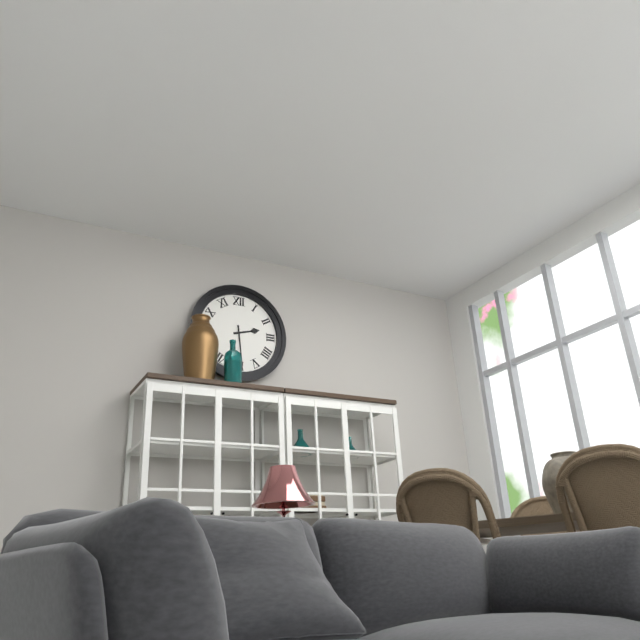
2,29
